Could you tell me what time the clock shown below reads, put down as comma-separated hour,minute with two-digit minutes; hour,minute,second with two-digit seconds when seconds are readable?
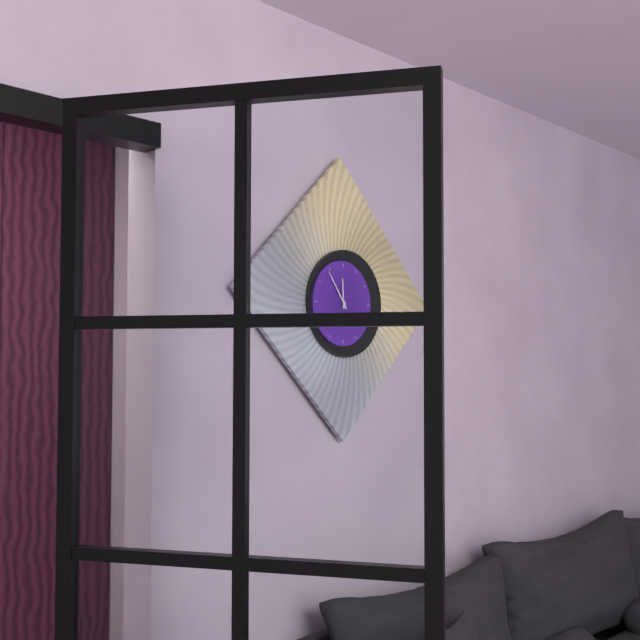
11,54
